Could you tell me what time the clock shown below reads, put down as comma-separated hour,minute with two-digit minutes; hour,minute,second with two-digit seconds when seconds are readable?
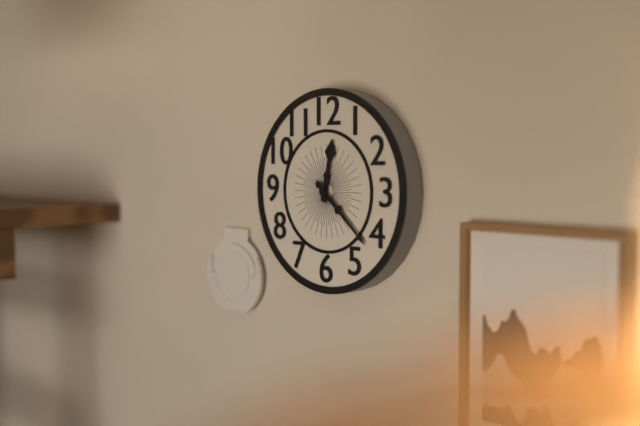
12,22
